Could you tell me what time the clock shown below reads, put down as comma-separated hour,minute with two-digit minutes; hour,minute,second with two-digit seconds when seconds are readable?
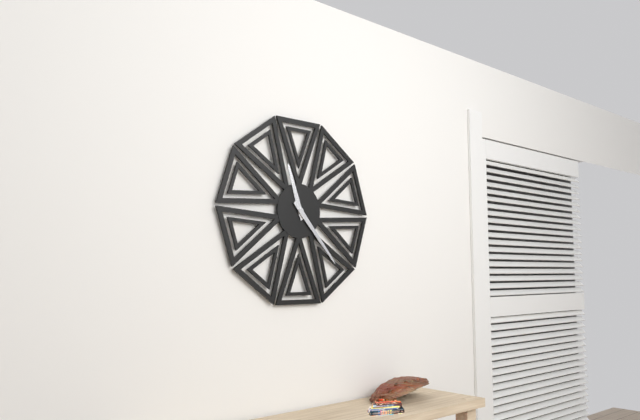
11,23
